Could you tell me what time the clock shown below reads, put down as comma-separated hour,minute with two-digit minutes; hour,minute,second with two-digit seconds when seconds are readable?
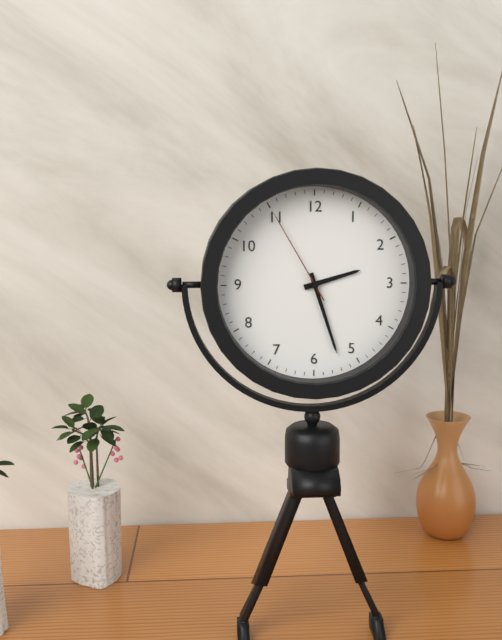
2,27,55
